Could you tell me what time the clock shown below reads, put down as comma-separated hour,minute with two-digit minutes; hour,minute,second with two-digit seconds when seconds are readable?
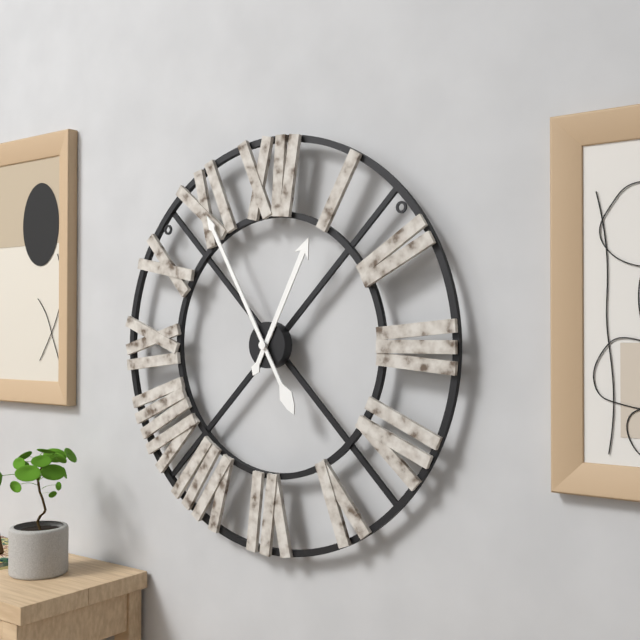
12,55
